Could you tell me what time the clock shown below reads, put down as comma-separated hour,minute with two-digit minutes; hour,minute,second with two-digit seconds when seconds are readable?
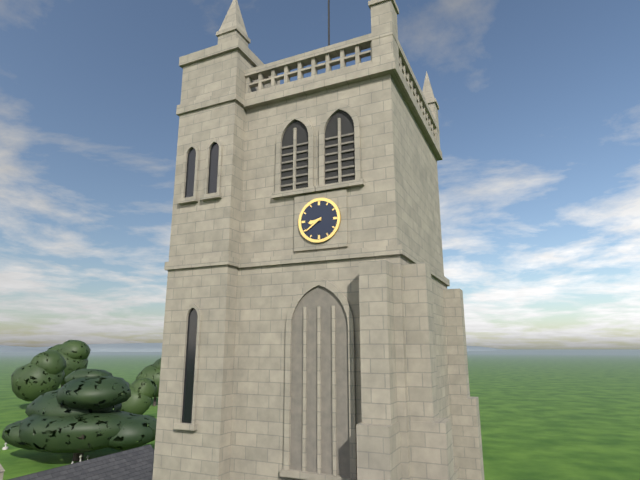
8,39
